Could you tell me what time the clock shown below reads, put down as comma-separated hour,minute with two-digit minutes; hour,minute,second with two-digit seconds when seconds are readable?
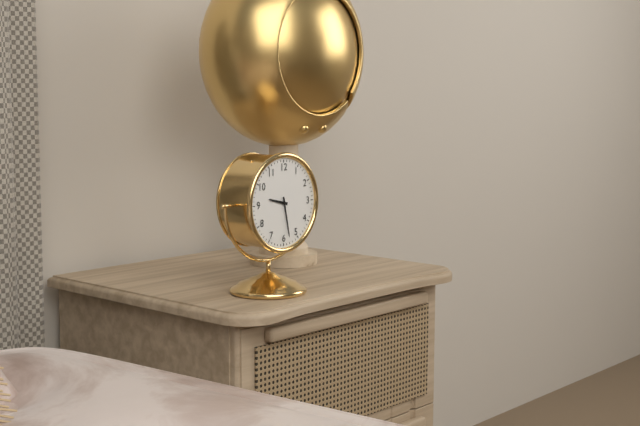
9,28
